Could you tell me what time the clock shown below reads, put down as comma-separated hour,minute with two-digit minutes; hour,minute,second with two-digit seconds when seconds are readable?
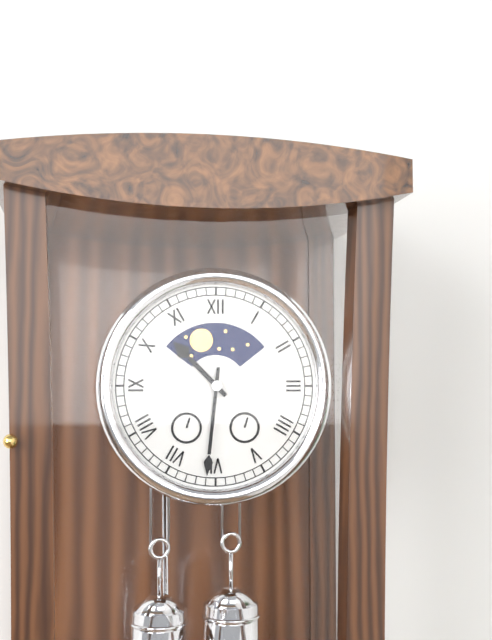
10,31
